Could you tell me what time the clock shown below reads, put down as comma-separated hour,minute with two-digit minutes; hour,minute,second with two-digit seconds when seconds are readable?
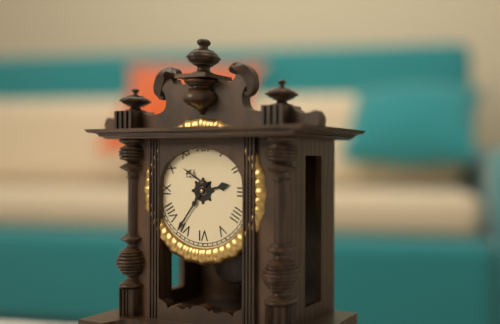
2,36
